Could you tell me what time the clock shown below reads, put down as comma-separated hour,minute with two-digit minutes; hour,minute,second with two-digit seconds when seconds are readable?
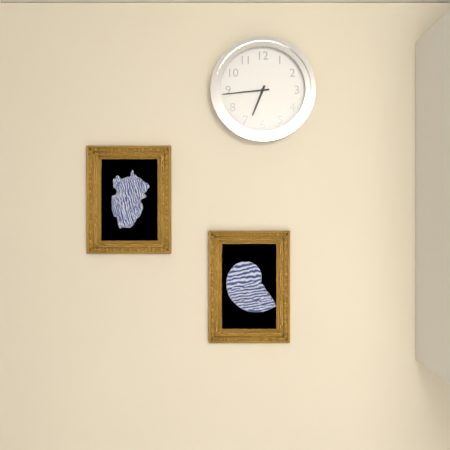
6,44
